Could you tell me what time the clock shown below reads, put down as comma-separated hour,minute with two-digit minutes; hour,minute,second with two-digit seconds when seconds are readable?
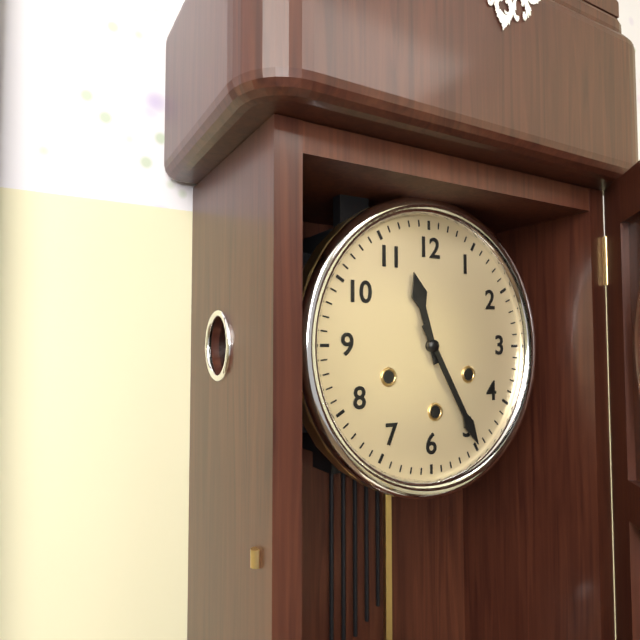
11,25
